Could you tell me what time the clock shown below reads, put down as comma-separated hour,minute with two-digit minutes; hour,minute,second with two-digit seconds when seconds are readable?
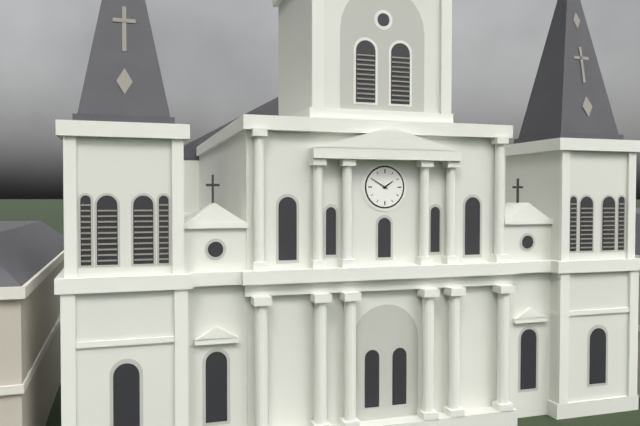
1,50
